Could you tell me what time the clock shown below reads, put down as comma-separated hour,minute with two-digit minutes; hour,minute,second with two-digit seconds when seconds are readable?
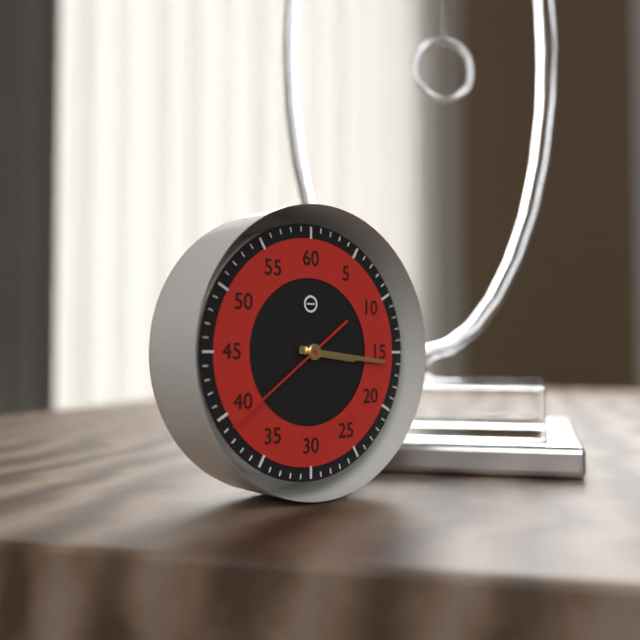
3,16,39
